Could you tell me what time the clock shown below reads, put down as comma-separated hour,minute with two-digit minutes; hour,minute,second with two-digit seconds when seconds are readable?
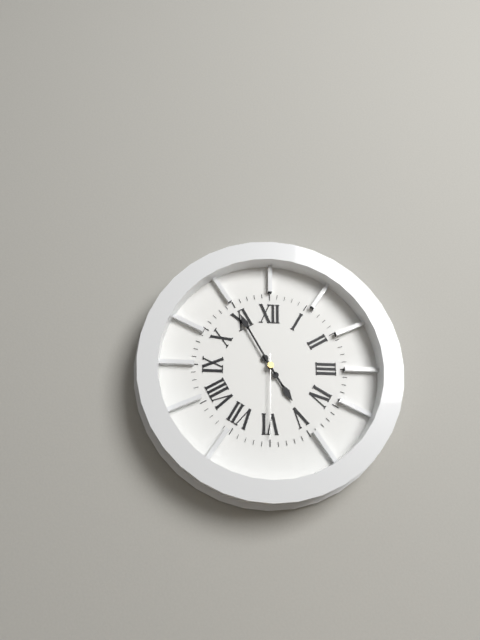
4,55,30
